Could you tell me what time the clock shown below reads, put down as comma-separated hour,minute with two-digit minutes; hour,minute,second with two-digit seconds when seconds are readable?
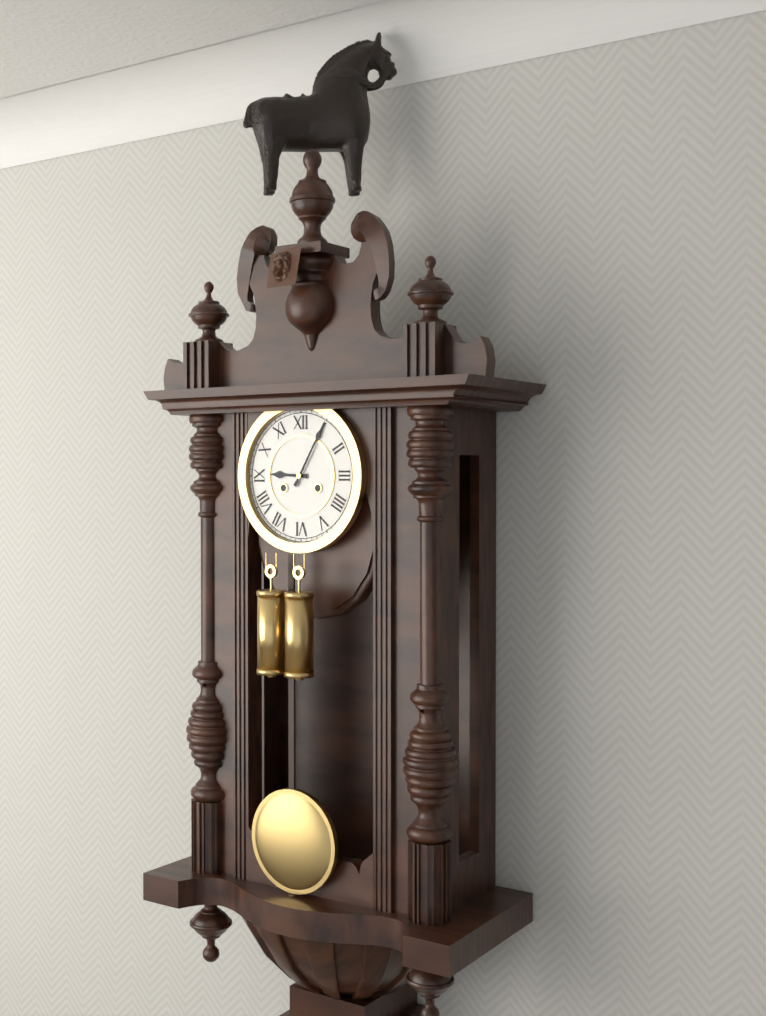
9,05
